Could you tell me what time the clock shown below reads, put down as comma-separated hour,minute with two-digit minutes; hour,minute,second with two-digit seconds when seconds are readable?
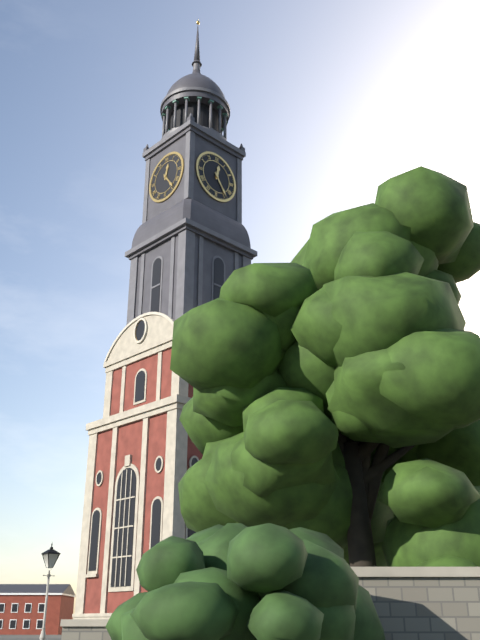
12,24
